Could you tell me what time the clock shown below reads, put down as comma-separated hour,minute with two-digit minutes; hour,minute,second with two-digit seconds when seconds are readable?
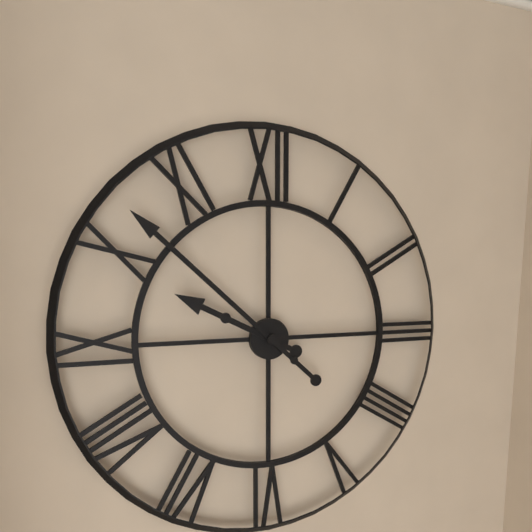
9,52
